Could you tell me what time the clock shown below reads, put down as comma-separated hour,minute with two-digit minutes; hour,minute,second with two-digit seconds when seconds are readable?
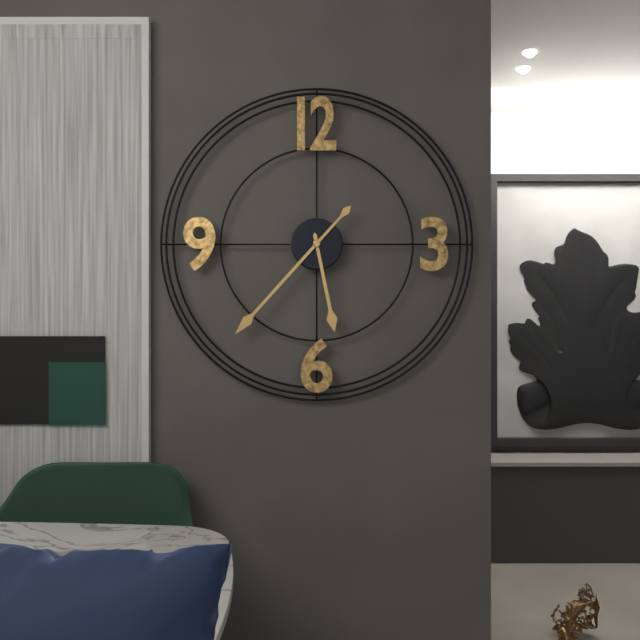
5,37
